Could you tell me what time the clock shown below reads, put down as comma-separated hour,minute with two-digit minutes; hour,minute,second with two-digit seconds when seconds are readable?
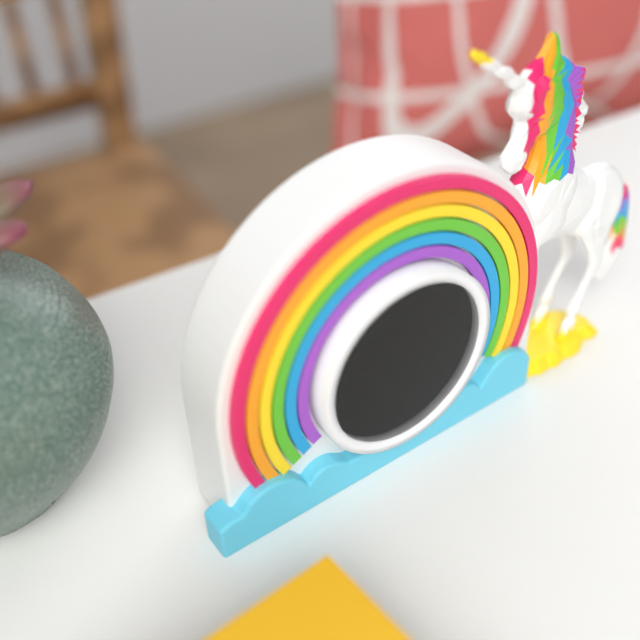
4,37
